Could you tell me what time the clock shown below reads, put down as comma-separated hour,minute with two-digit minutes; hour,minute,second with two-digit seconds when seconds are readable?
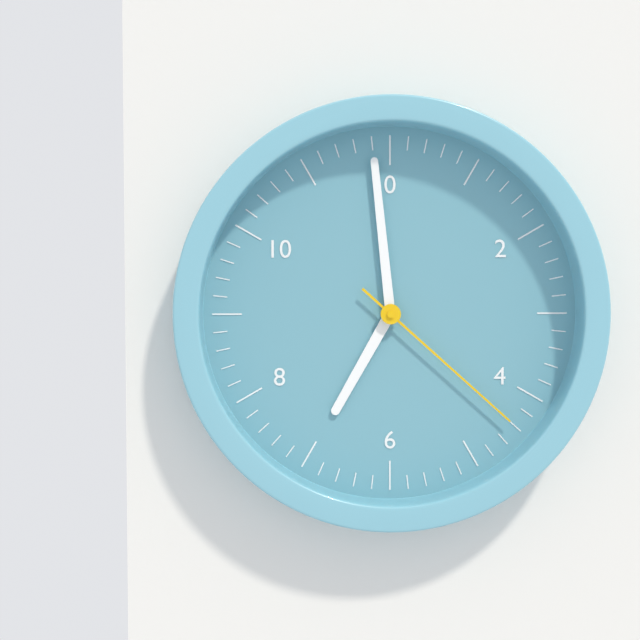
6,59,22
